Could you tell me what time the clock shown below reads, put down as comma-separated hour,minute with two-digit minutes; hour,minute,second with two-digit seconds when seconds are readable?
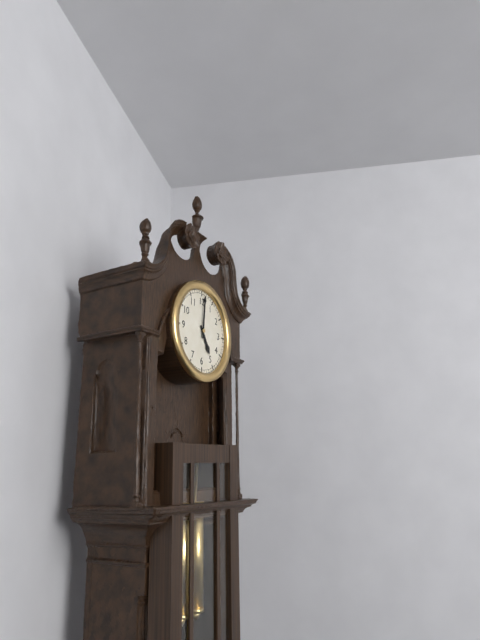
5,01
